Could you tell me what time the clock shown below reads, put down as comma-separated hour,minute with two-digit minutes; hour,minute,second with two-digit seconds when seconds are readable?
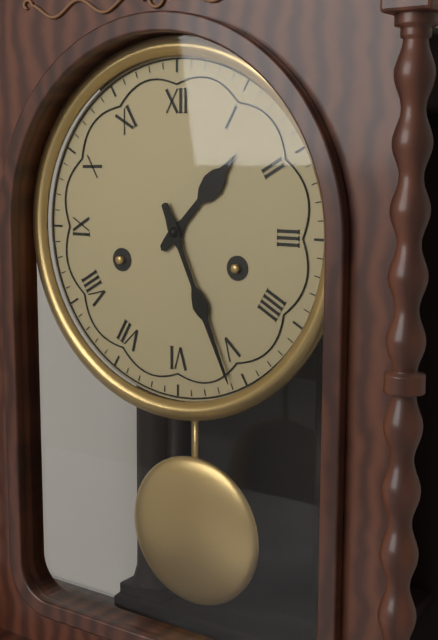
1,26
